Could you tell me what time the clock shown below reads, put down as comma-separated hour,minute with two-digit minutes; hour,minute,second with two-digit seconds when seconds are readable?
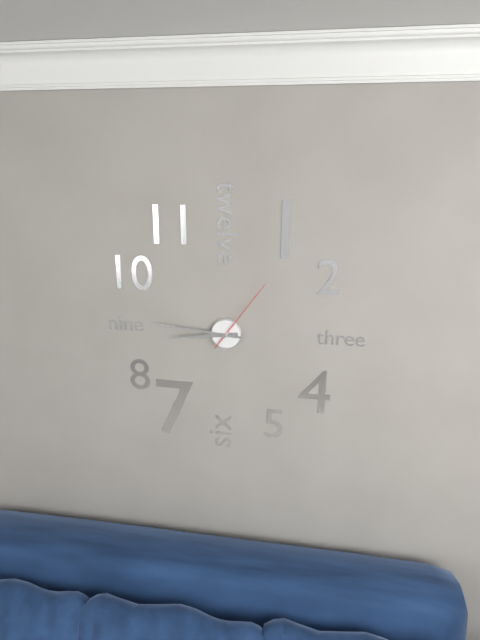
8,46,06
